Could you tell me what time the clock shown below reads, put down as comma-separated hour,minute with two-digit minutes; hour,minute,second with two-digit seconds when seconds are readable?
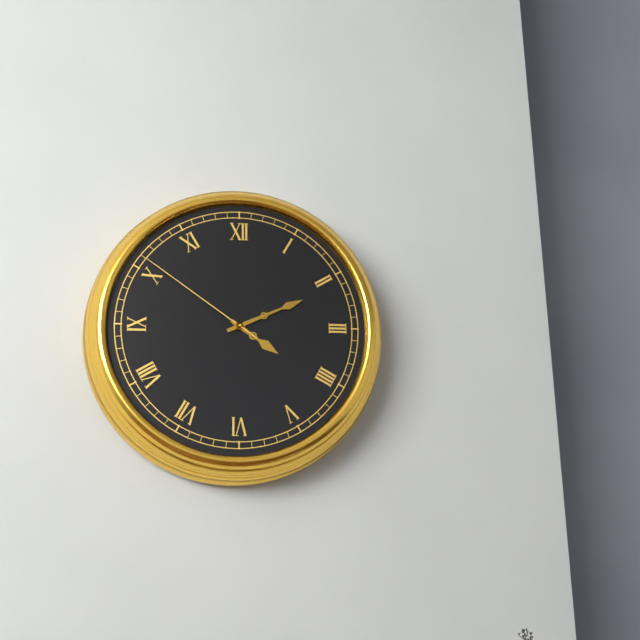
4,11,51
